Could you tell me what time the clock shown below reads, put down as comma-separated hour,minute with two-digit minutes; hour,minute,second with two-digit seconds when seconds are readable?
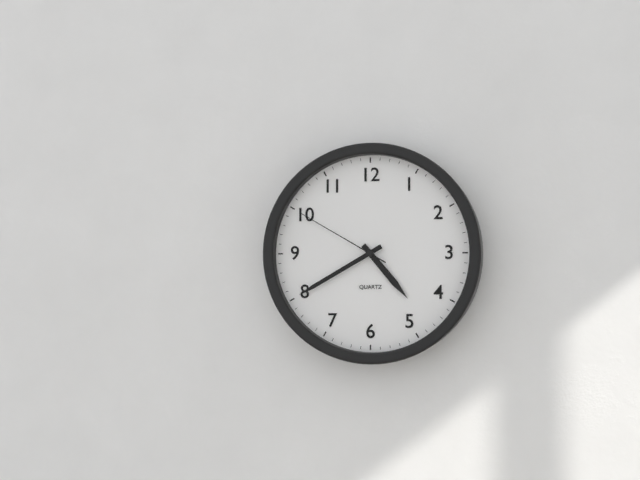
4,40,50
